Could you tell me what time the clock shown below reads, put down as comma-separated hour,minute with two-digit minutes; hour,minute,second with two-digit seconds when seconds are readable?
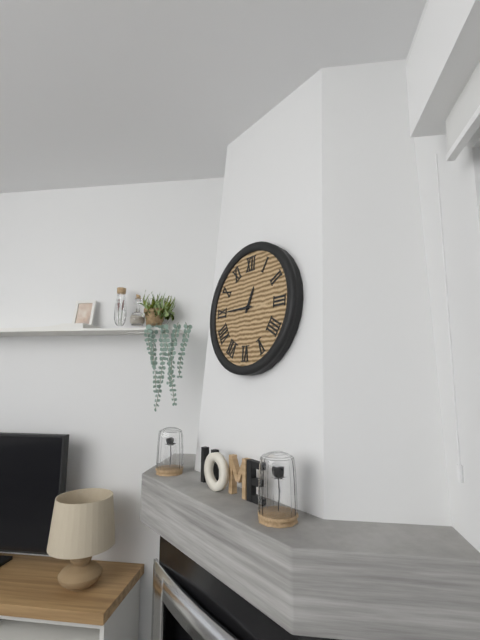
12,45
